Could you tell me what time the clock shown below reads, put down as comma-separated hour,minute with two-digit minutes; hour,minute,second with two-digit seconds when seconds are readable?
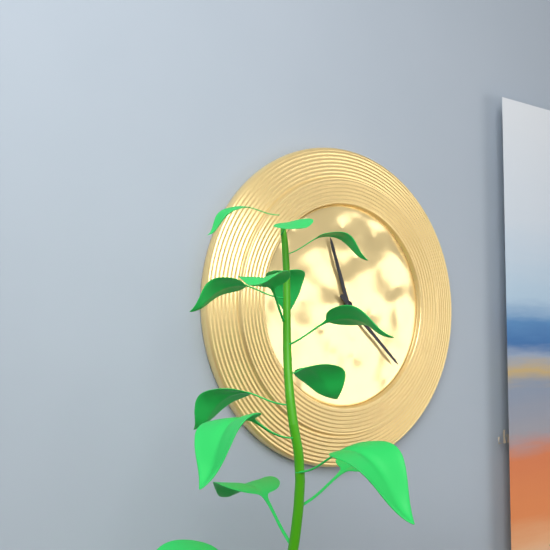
11,22
